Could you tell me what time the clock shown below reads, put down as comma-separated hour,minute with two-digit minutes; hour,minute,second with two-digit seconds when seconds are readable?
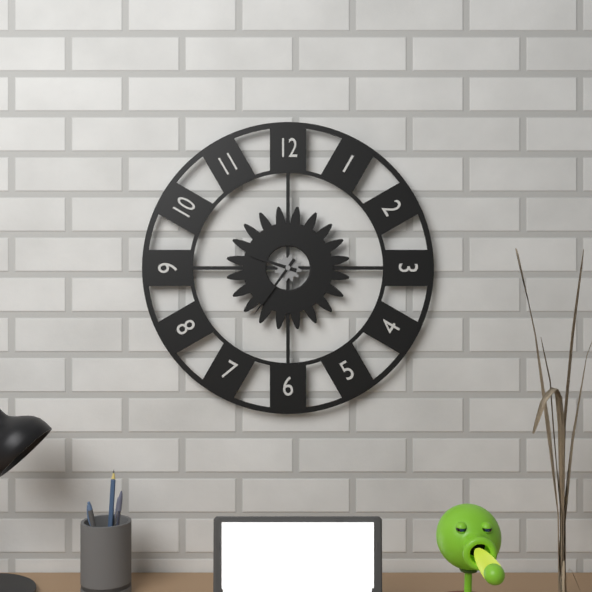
9,36
